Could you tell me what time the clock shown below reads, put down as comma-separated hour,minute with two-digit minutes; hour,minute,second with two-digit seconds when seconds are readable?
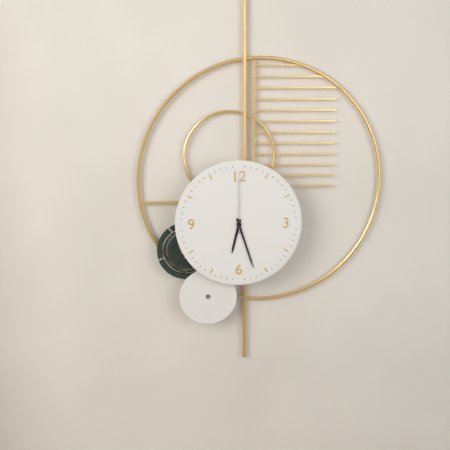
6,27,00
